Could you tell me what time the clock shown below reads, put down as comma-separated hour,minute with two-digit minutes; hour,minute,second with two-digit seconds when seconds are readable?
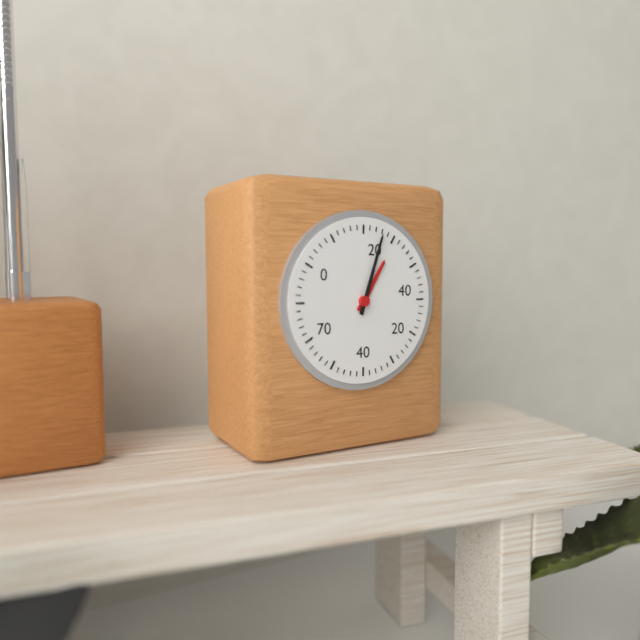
1,03
